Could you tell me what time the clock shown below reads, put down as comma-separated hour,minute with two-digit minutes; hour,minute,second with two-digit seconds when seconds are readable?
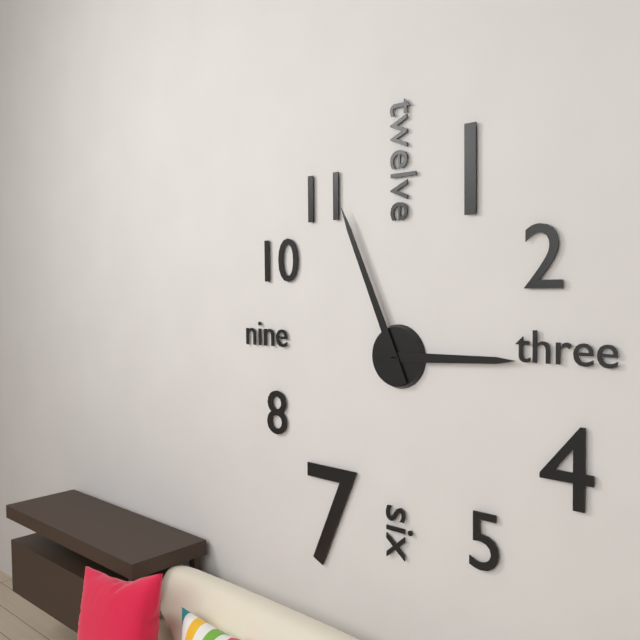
2,56
